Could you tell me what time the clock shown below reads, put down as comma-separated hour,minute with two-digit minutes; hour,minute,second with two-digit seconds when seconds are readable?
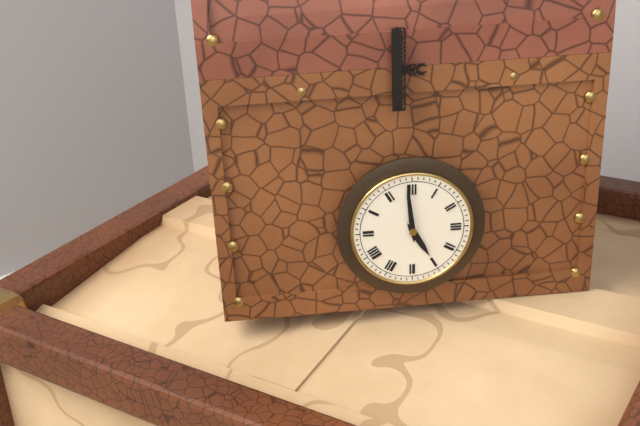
4,59
